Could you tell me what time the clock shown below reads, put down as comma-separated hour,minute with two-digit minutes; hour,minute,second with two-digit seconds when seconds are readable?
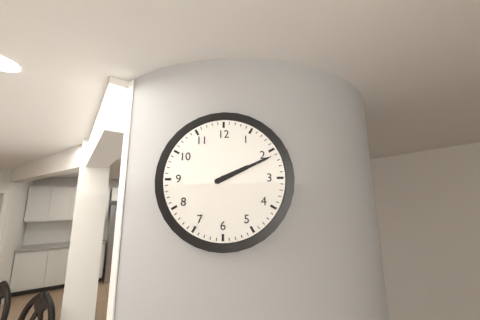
2,11
